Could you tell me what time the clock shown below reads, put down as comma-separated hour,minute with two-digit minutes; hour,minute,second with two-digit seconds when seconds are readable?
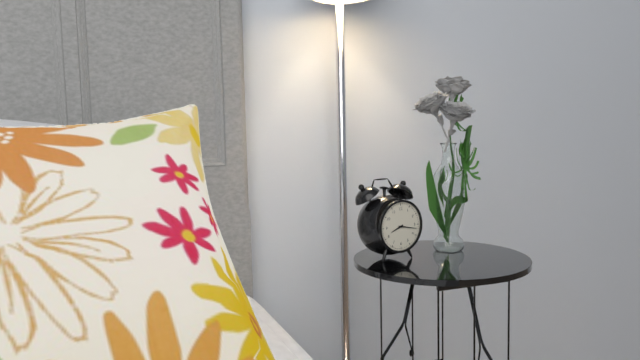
8,17
